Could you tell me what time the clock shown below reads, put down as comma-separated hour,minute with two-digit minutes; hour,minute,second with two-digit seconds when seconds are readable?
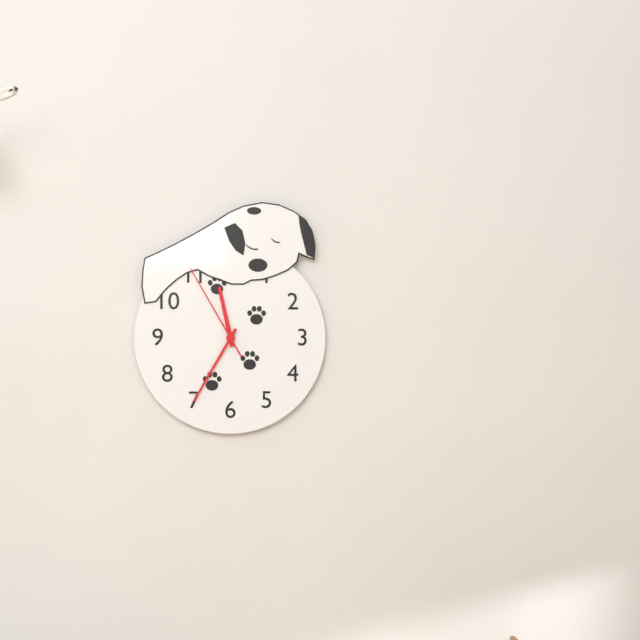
11,35,55
